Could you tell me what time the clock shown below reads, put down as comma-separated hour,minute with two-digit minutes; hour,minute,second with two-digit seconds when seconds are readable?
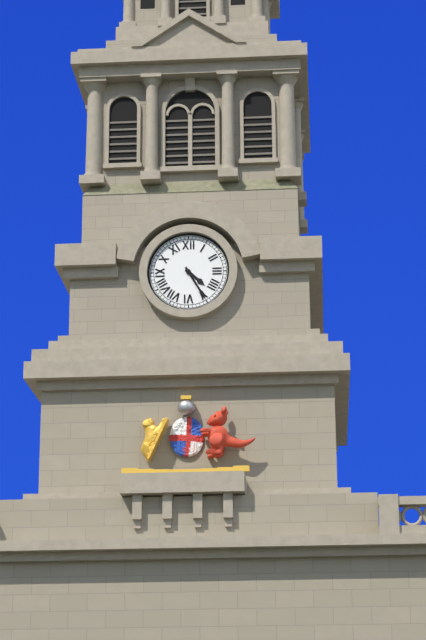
4,25
